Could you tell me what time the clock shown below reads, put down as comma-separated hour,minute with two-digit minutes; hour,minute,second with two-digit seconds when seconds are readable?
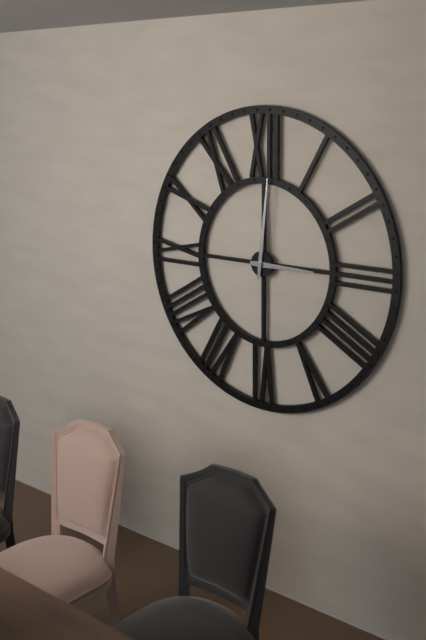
3,01
